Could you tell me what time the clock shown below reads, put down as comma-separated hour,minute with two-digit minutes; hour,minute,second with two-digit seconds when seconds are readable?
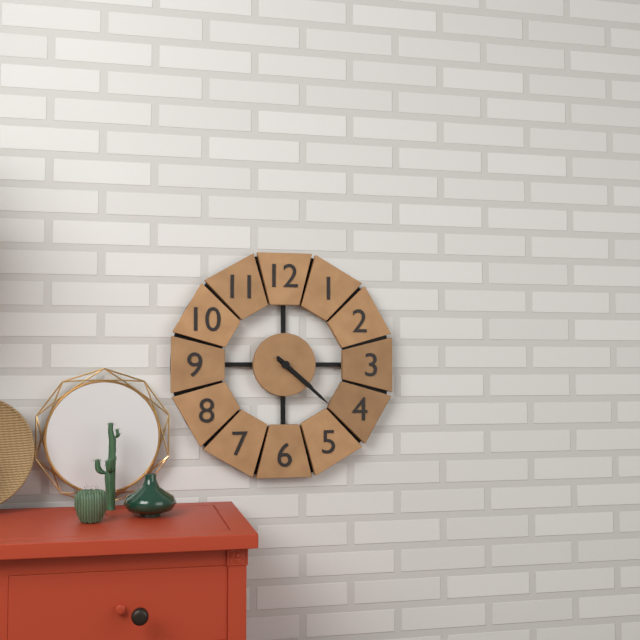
4,22
